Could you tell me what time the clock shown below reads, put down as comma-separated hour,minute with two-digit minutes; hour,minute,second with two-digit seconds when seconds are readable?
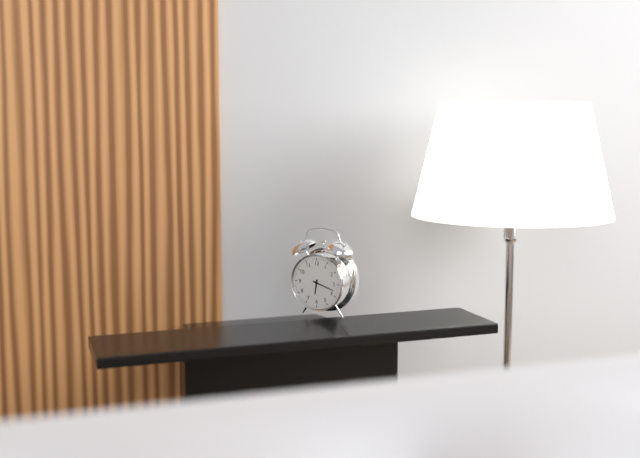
6,18
